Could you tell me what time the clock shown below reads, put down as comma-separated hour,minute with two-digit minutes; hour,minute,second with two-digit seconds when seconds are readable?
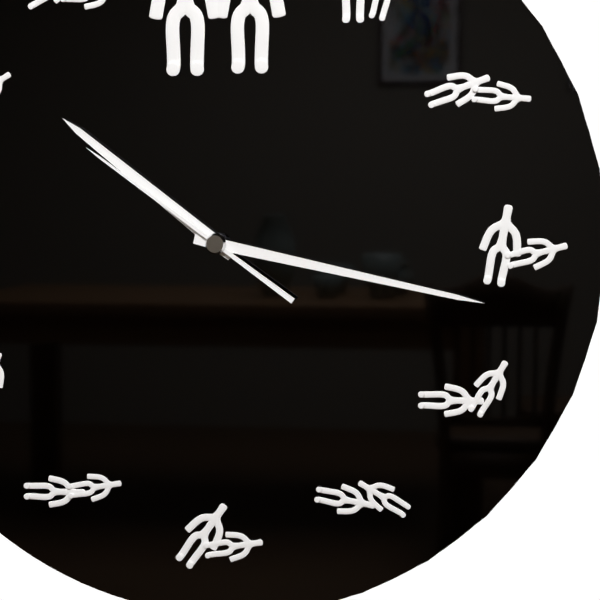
10,17,51
